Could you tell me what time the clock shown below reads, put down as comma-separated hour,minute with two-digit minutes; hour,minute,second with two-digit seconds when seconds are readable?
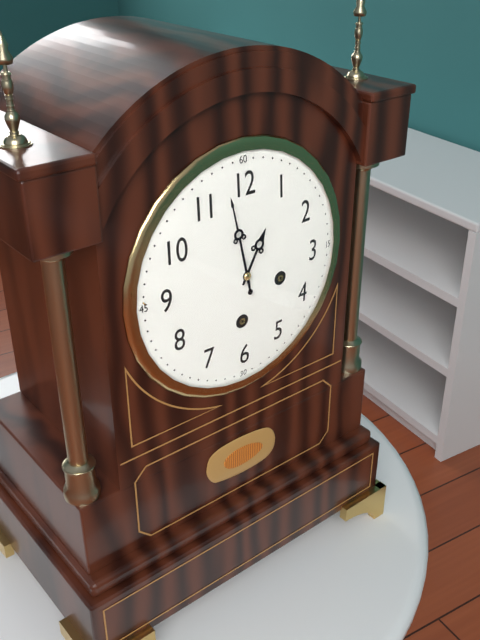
12,58
